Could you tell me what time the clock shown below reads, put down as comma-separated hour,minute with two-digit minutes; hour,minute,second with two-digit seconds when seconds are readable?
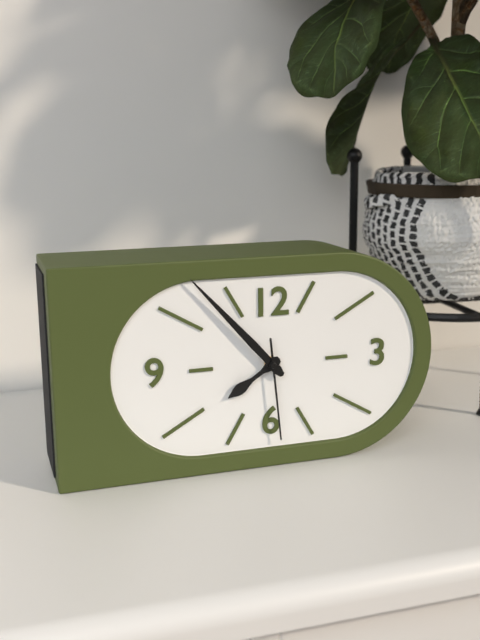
7,53,29
